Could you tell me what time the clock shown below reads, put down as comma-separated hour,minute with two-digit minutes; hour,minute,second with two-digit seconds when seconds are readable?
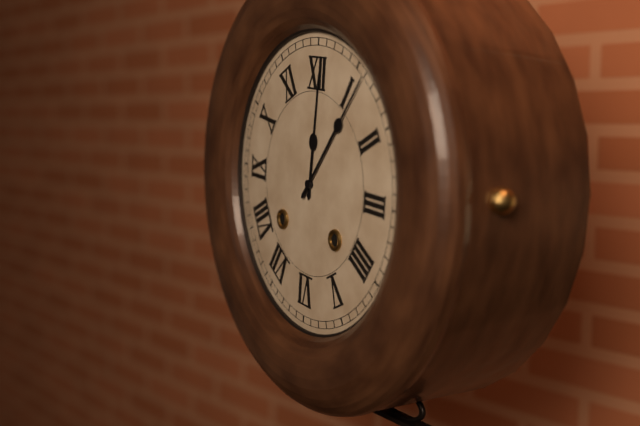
12,06
